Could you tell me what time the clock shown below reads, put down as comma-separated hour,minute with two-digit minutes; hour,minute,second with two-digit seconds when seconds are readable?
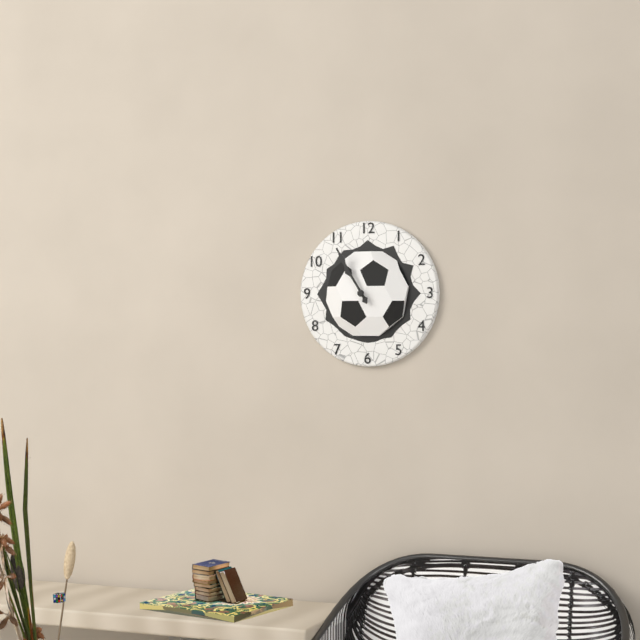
10,55
